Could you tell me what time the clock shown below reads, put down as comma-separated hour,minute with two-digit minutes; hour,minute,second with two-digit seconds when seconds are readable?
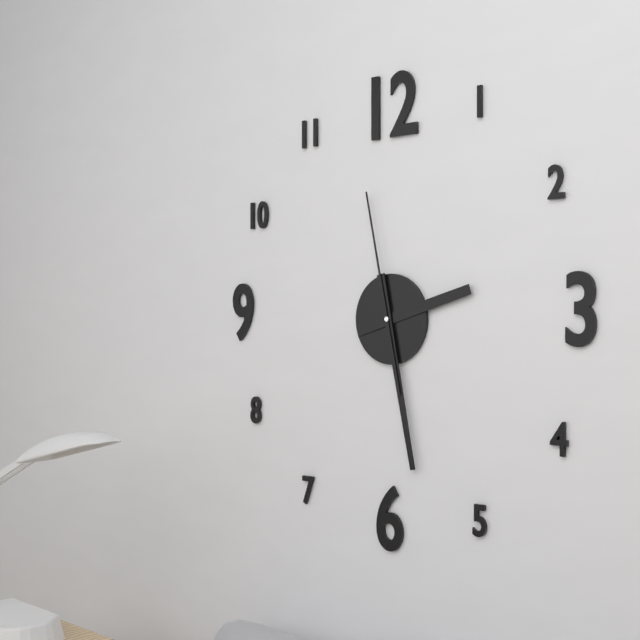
2,28,58
